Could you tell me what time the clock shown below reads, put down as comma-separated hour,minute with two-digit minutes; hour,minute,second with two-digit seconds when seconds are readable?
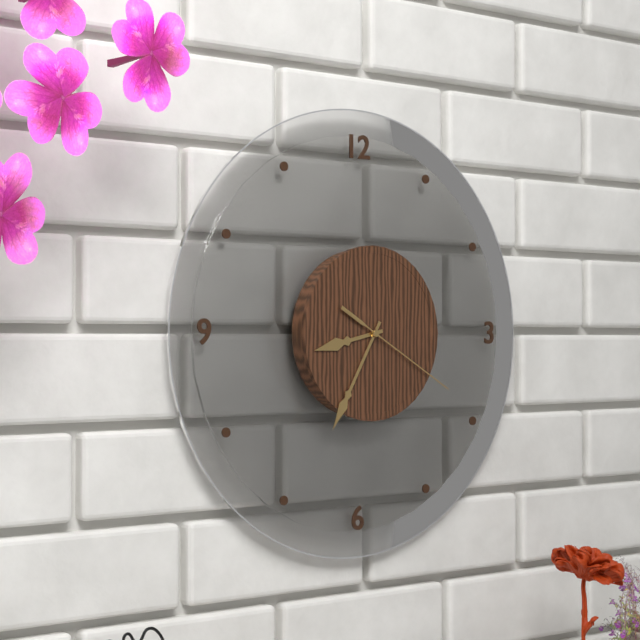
8,35,20
